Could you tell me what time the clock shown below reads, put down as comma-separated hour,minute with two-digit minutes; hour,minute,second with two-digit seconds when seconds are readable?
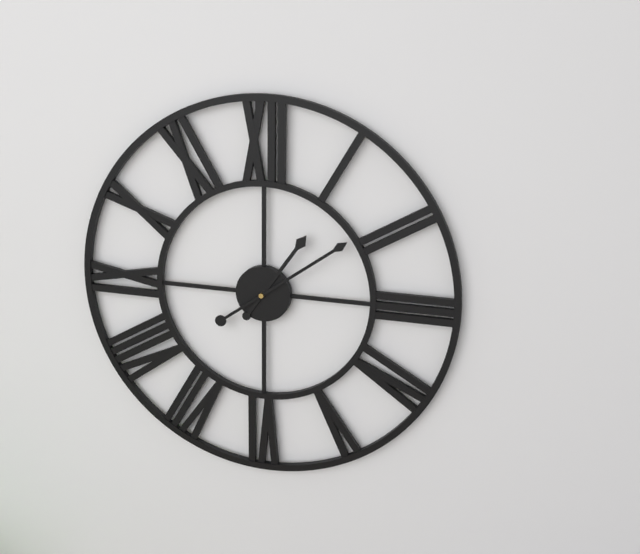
1,09
